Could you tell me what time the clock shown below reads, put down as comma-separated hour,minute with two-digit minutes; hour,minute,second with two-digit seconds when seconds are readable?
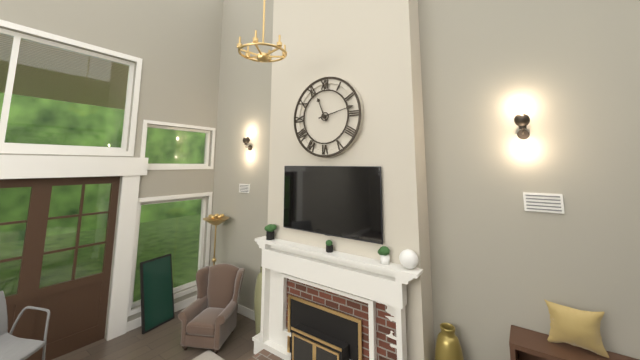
11,13
